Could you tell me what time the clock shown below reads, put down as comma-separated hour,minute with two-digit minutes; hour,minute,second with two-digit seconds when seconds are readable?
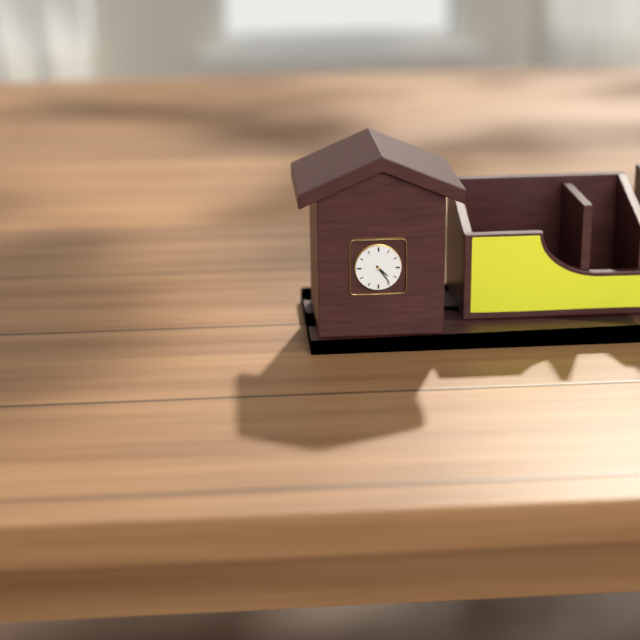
4,24
